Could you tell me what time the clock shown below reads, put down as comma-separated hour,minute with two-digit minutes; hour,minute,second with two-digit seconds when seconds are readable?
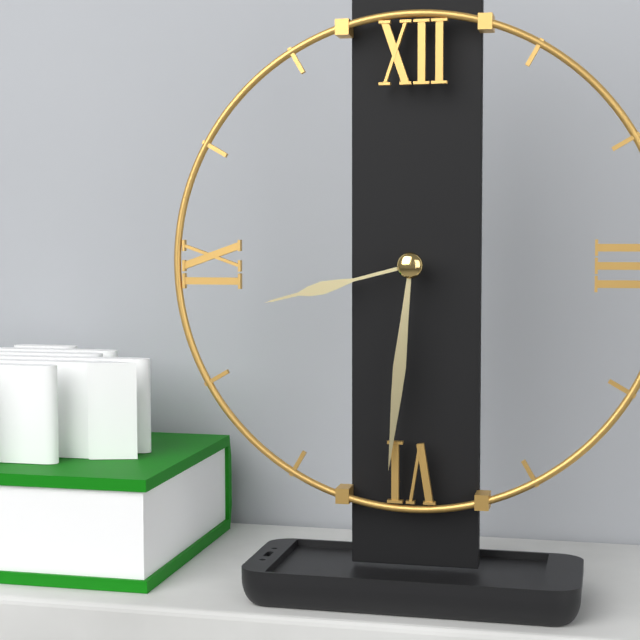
8,31
